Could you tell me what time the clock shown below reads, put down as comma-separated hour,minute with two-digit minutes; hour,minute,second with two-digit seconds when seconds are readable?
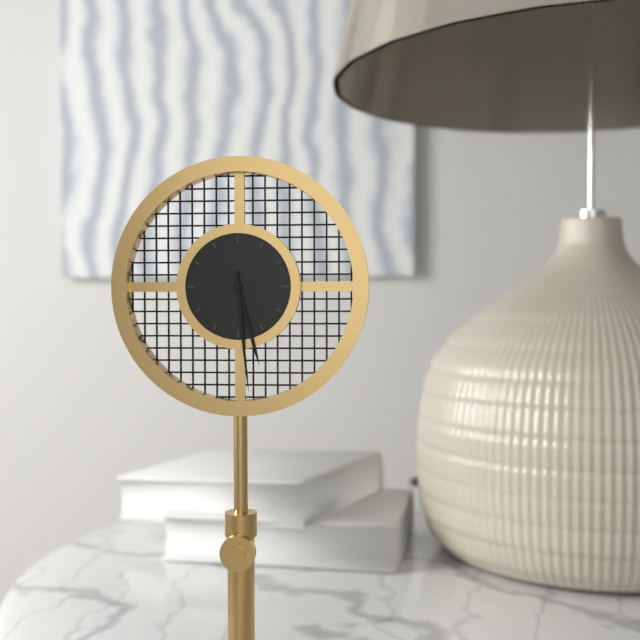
5,29
